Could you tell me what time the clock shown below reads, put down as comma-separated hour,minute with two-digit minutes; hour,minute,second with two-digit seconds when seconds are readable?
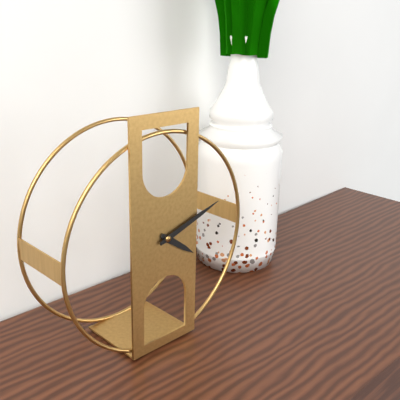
4,12
